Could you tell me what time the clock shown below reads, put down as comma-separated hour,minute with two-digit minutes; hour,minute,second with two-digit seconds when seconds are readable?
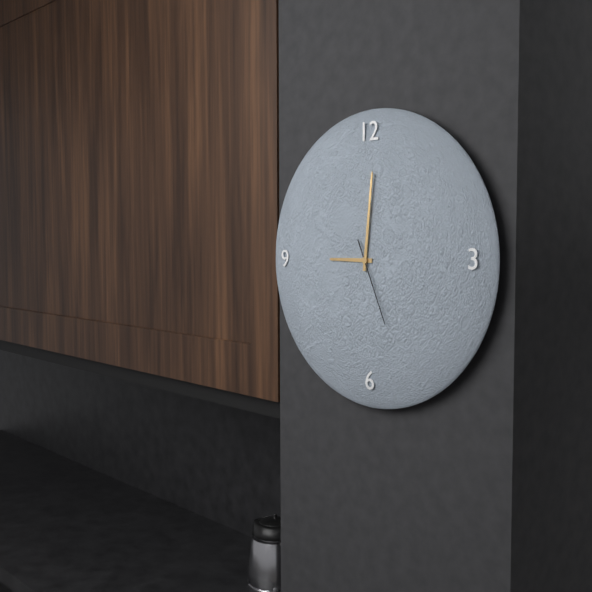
9,01,26
